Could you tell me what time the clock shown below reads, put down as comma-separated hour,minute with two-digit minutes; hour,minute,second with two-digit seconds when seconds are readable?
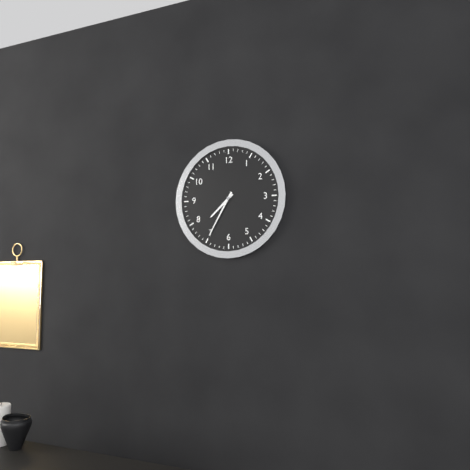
7,35
